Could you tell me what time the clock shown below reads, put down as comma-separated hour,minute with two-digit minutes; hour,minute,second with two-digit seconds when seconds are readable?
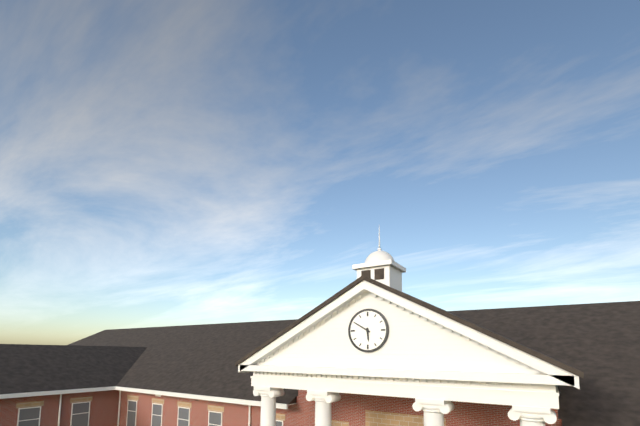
5,50
